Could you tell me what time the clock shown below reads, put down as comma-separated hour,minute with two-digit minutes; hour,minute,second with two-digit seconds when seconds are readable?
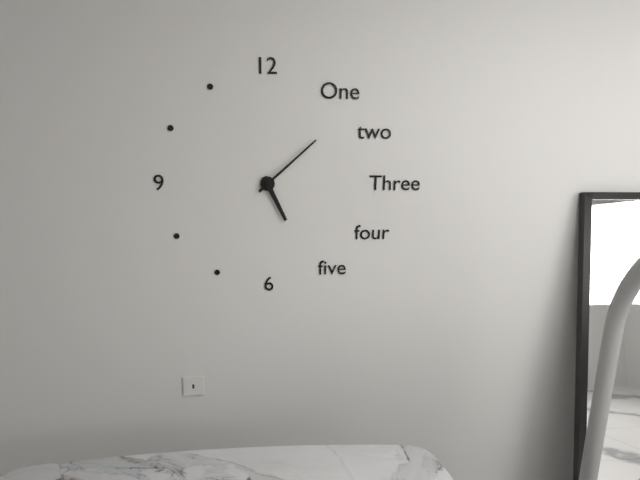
5,08
